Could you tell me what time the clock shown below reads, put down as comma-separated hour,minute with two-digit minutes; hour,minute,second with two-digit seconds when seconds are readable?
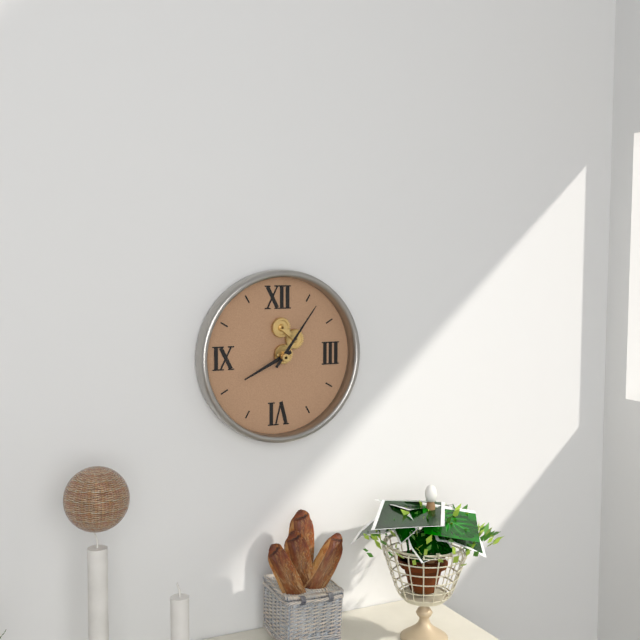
8,06
